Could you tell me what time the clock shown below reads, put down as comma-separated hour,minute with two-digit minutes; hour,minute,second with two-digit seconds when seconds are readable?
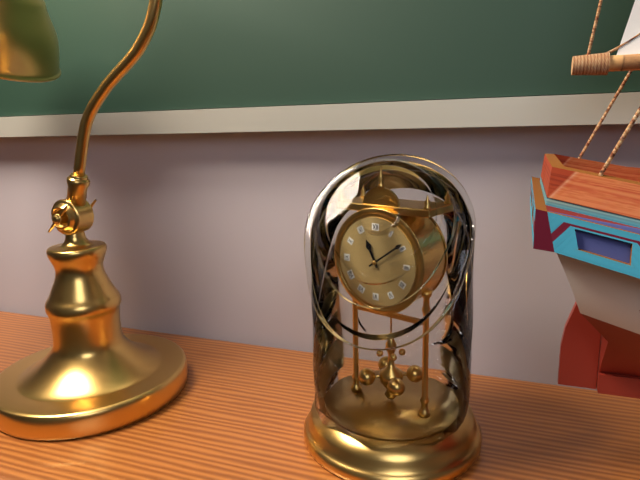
11,09
